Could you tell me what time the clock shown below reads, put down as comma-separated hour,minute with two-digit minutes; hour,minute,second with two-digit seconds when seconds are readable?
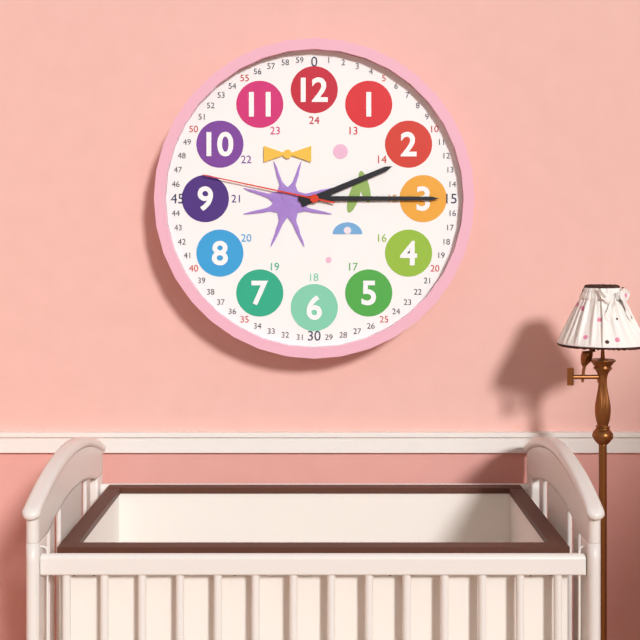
2,15,47
